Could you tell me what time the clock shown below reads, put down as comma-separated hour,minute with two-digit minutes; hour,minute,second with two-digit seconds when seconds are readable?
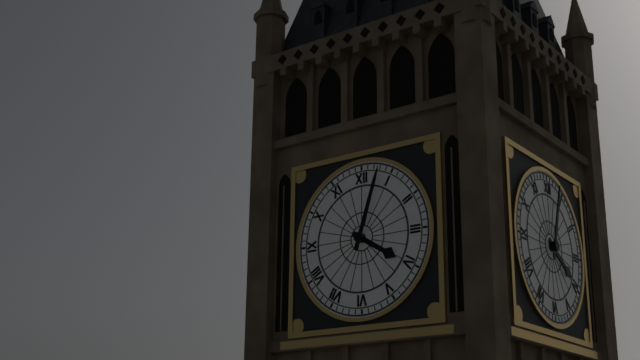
4,03
